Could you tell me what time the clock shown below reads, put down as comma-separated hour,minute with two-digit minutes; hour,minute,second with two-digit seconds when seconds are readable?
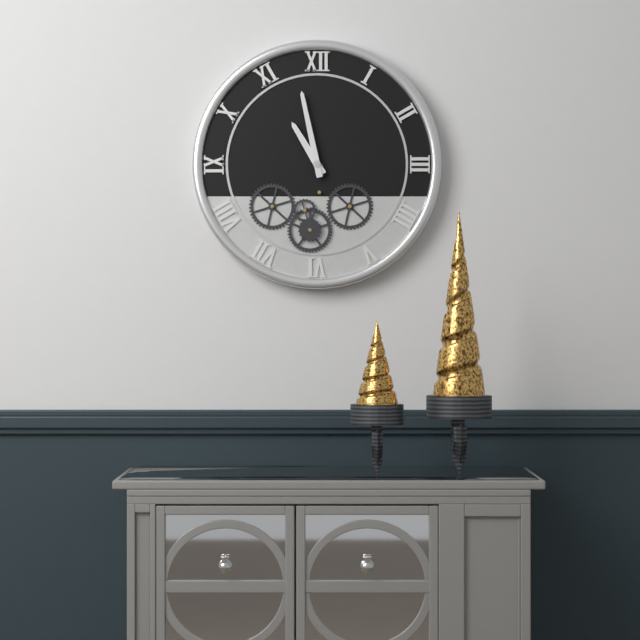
10,58
